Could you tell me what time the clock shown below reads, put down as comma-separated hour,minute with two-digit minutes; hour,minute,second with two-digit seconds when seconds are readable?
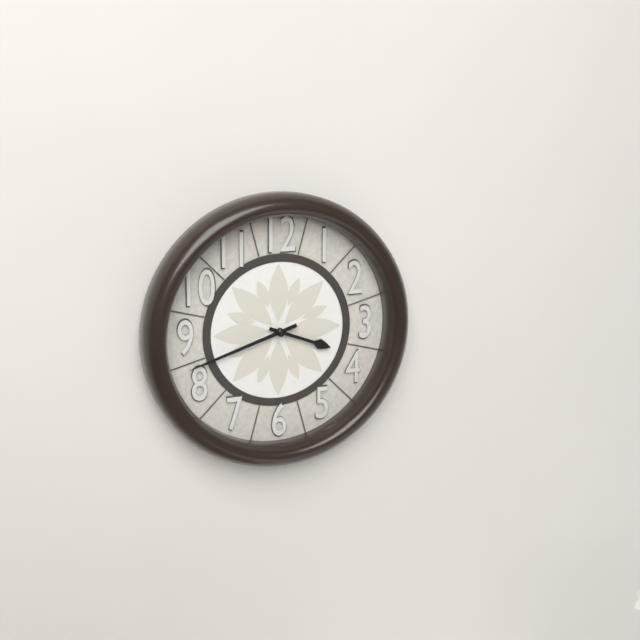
3,42
